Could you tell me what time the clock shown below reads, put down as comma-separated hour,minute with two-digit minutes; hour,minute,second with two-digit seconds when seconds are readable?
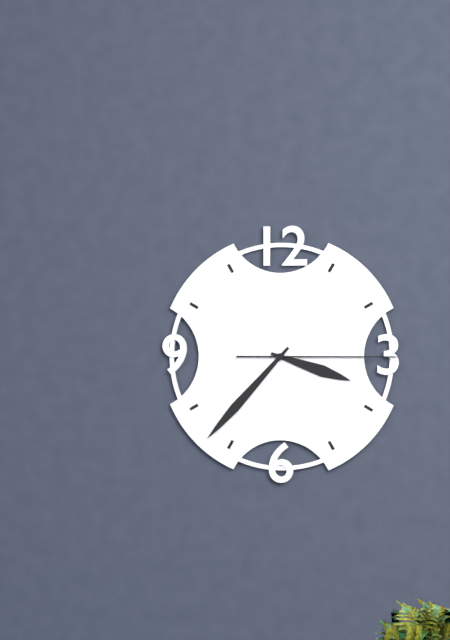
3,37,15
